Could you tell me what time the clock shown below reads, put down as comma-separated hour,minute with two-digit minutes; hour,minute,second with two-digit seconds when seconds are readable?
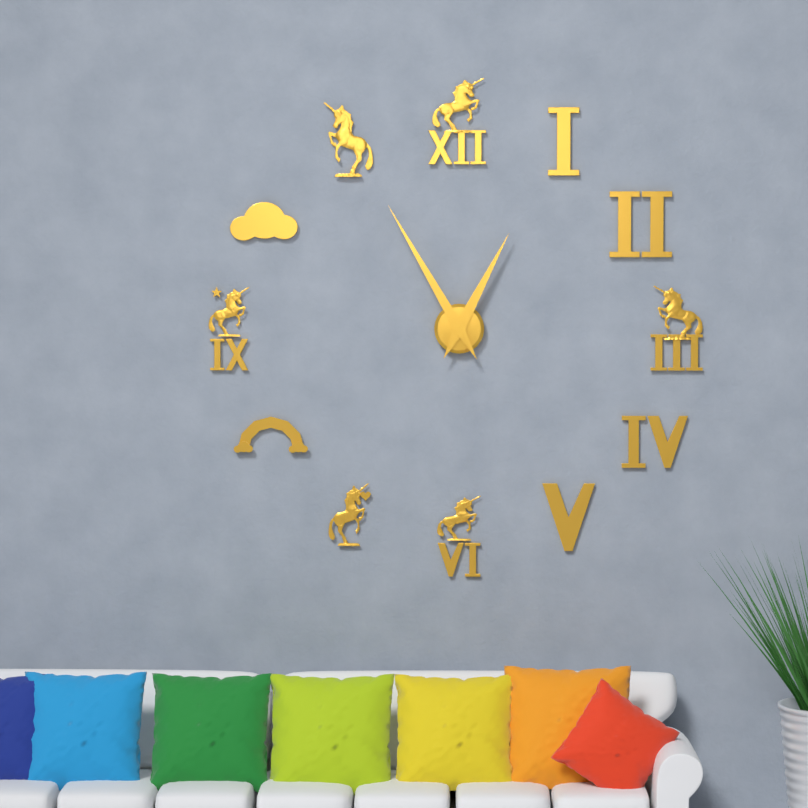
12,55
